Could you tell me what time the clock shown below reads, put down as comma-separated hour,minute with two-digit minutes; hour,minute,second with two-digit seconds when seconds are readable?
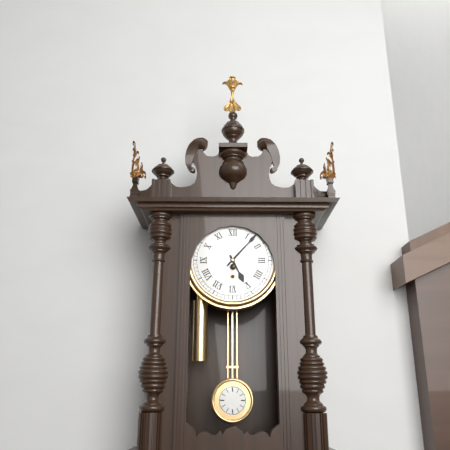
5,07
